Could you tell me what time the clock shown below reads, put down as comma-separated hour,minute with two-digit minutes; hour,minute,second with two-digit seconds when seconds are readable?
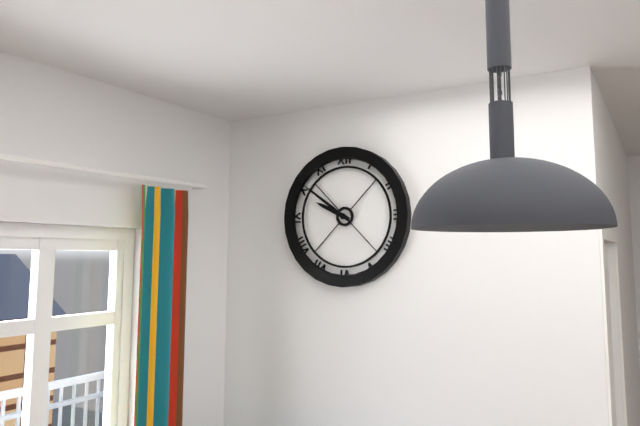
9,51
